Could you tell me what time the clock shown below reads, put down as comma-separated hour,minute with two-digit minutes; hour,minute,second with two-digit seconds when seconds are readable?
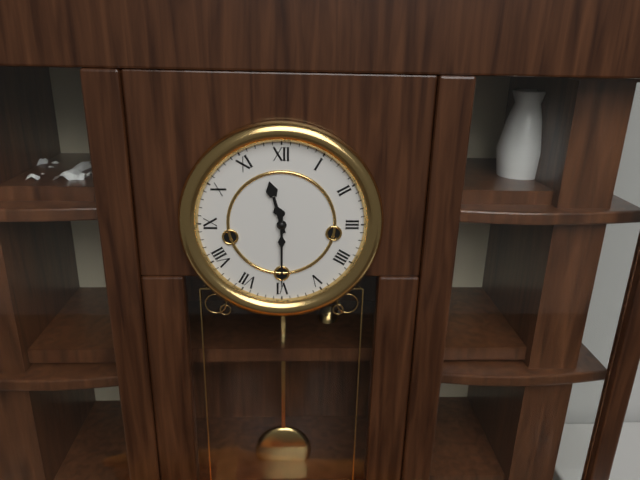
11,30
